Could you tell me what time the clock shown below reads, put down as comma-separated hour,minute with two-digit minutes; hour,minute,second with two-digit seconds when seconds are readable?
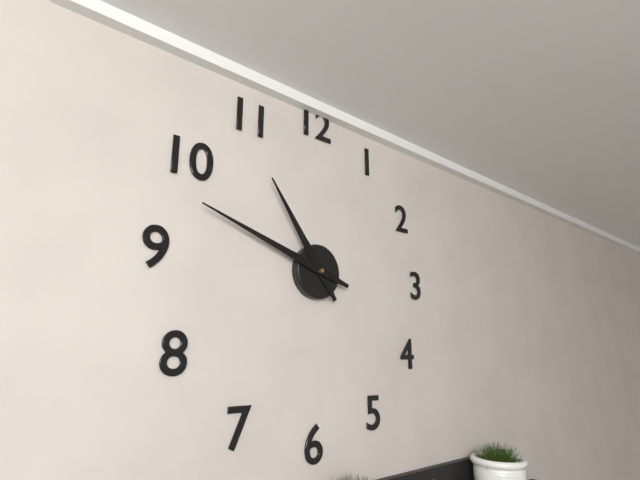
10,48
